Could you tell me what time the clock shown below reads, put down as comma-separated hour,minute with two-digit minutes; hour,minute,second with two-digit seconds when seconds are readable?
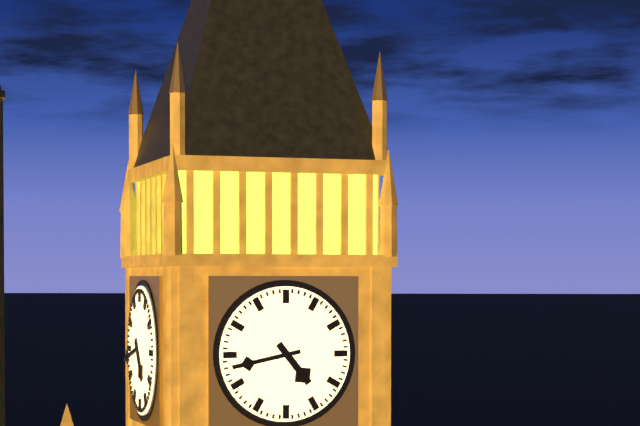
4,43
